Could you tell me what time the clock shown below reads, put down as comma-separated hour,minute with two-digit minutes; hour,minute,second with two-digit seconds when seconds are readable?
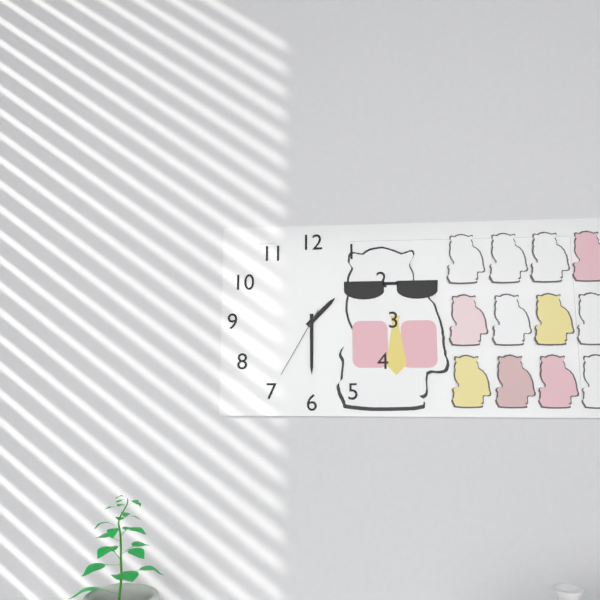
1,30,35
